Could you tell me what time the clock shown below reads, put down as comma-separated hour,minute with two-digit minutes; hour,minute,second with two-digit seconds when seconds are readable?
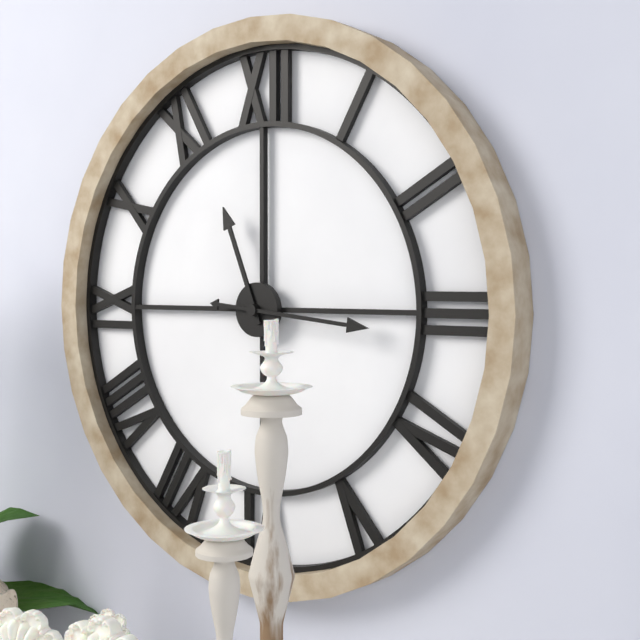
11,16
